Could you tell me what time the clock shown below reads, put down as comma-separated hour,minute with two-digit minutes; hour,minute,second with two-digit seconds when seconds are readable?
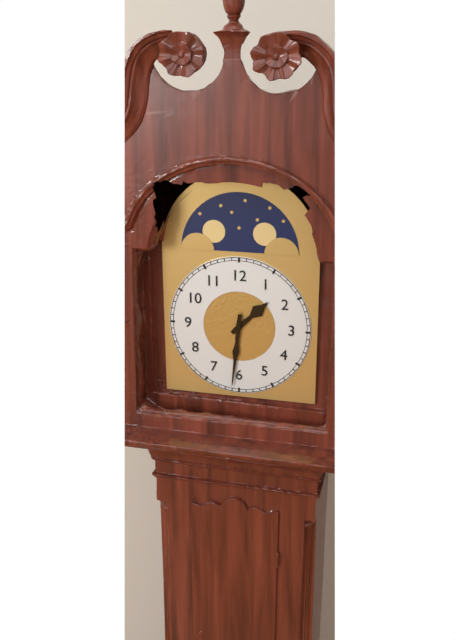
1,31
